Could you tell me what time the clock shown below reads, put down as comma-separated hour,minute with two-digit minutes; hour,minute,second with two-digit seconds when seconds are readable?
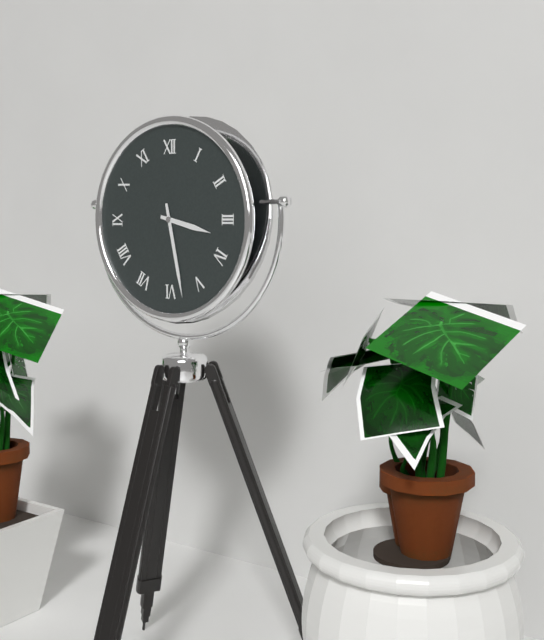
3,28
